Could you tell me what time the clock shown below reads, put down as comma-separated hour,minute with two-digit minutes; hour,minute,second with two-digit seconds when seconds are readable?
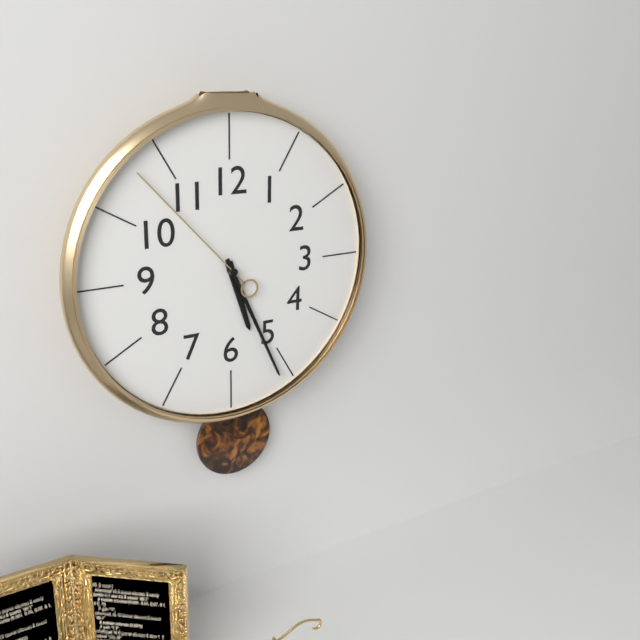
5,26,53
